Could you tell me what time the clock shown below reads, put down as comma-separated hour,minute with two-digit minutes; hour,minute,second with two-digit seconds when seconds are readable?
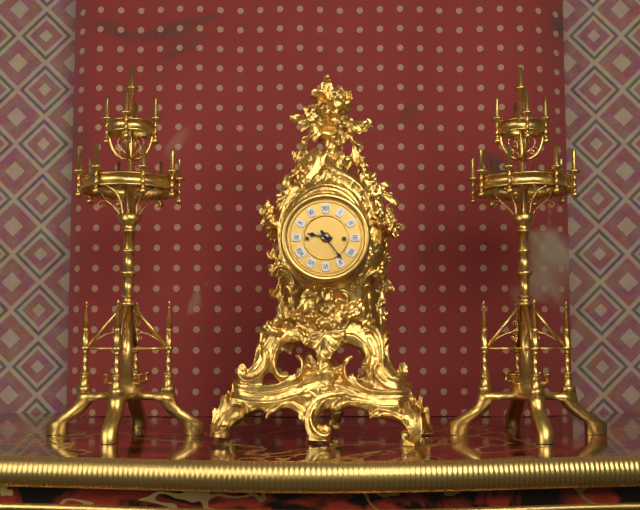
9,24
